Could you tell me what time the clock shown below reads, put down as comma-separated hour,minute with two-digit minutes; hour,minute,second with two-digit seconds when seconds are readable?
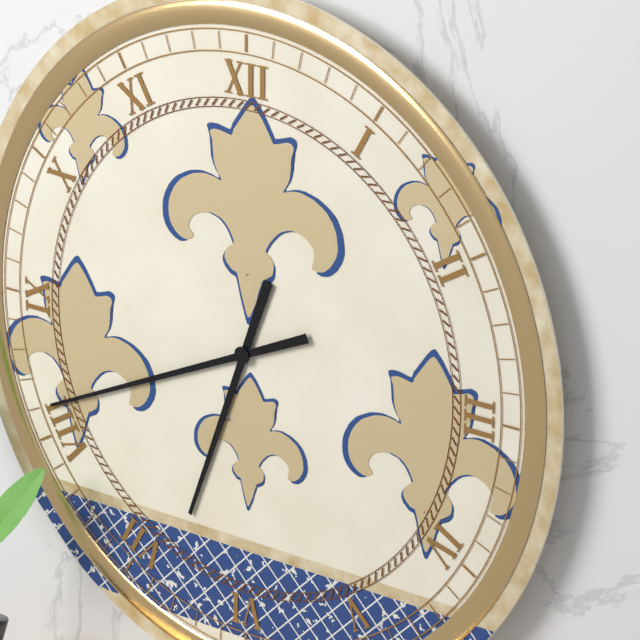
6,41
